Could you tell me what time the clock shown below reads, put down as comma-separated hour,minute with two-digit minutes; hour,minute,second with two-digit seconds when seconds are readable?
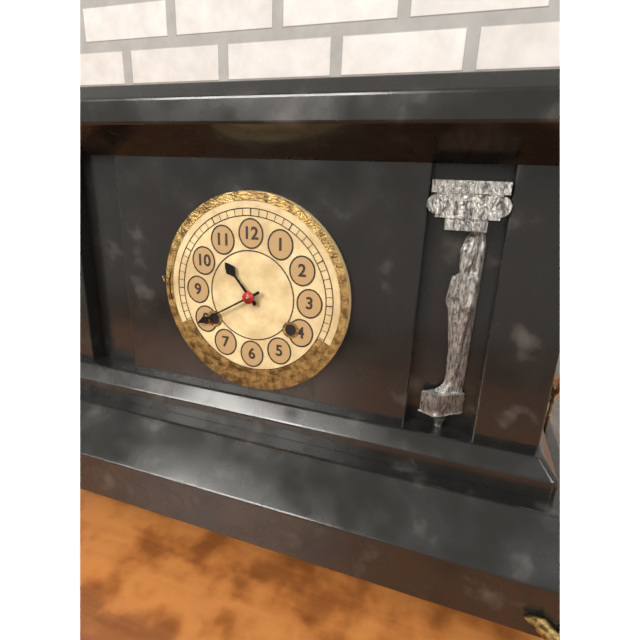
10,40
